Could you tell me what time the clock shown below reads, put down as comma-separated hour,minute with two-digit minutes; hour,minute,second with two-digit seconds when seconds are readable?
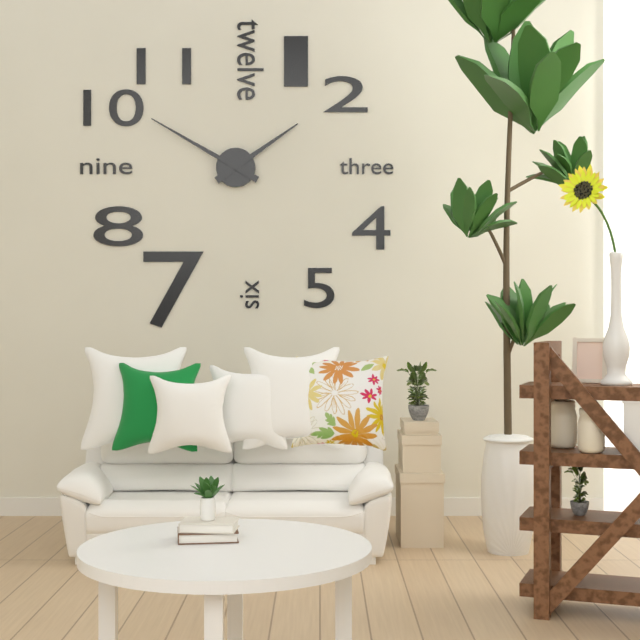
1,50
